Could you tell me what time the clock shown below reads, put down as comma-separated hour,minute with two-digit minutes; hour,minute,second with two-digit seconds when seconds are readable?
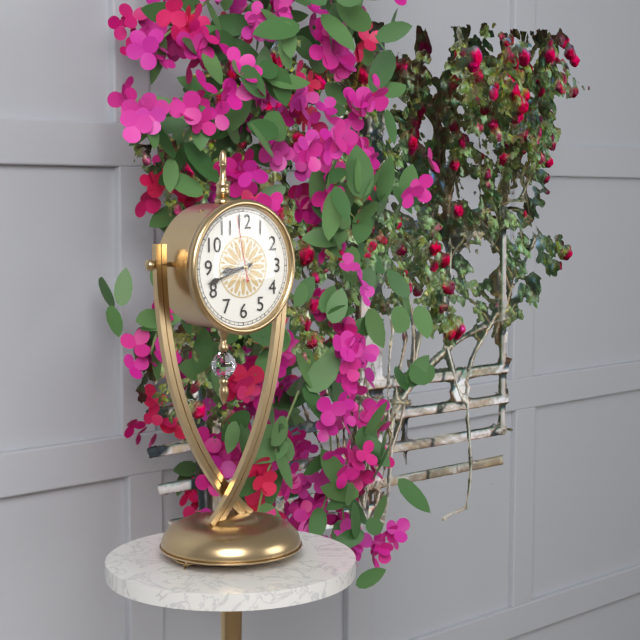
8,42,58
